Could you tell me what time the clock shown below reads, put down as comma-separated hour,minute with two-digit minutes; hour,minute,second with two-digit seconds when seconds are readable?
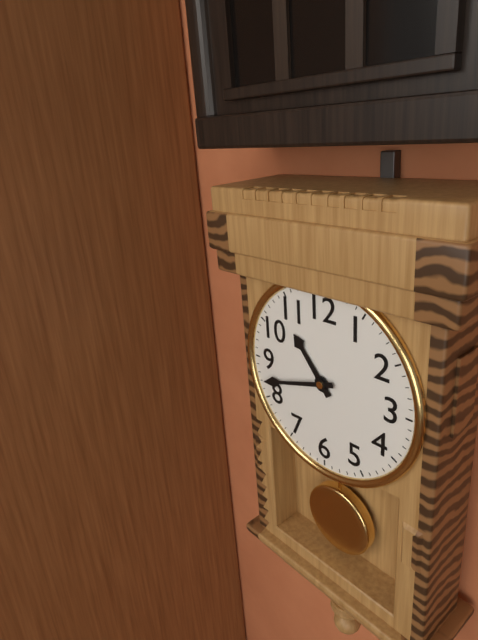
10,42
